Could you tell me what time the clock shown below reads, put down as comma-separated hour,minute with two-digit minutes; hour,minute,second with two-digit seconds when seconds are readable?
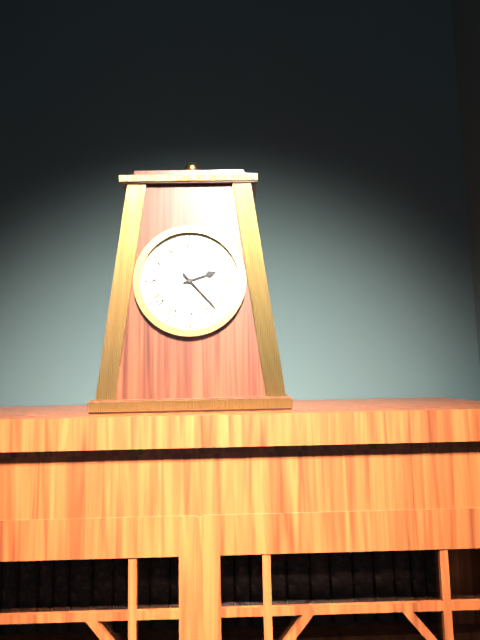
2,23
